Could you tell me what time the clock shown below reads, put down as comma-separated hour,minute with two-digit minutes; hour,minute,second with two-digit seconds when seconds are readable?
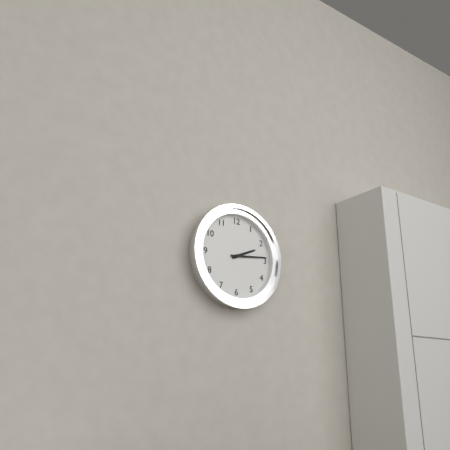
2,14
